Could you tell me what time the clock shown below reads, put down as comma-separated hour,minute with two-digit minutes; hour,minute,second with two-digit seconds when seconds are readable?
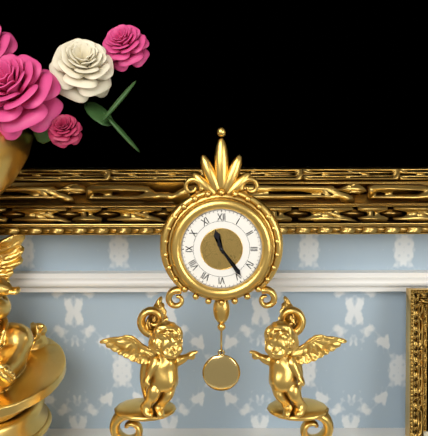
11,24
